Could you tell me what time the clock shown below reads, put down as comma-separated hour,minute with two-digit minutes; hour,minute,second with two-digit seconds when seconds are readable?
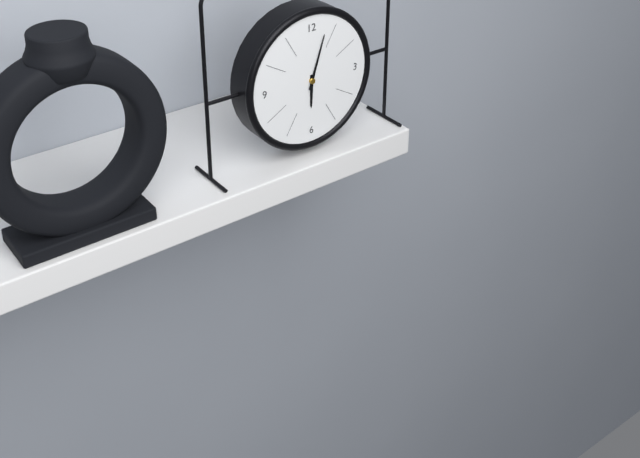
6,03
